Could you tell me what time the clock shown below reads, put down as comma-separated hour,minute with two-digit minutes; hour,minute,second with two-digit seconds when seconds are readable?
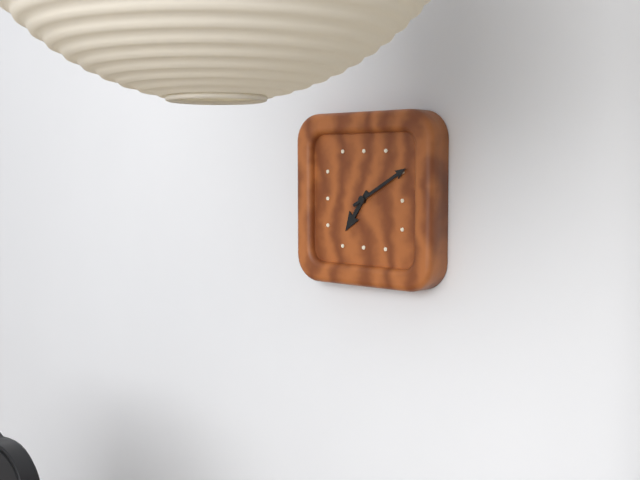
7,10
